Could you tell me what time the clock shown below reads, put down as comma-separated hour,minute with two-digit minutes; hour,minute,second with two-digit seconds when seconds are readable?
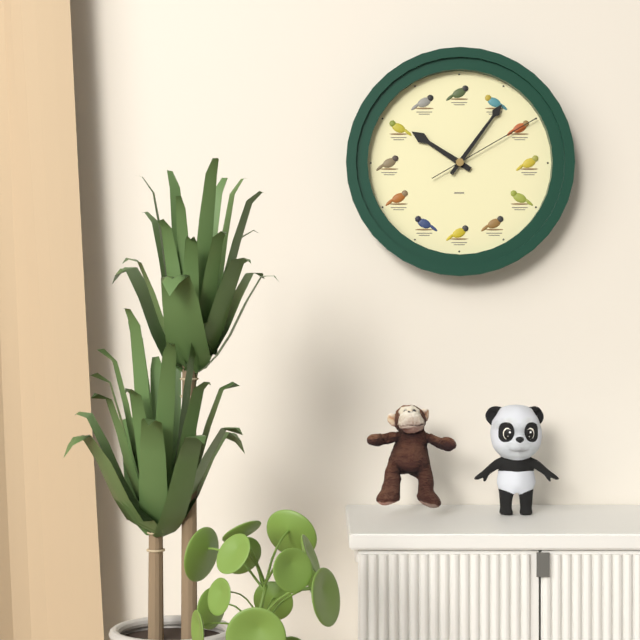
10,06,10
